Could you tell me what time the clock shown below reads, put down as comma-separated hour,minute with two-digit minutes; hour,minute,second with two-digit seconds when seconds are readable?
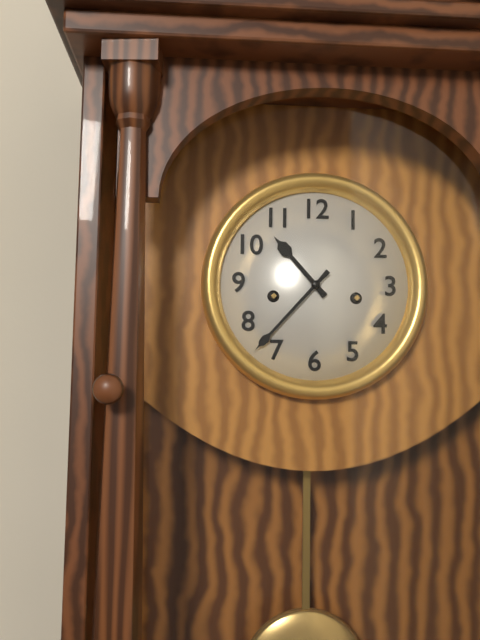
10,37
